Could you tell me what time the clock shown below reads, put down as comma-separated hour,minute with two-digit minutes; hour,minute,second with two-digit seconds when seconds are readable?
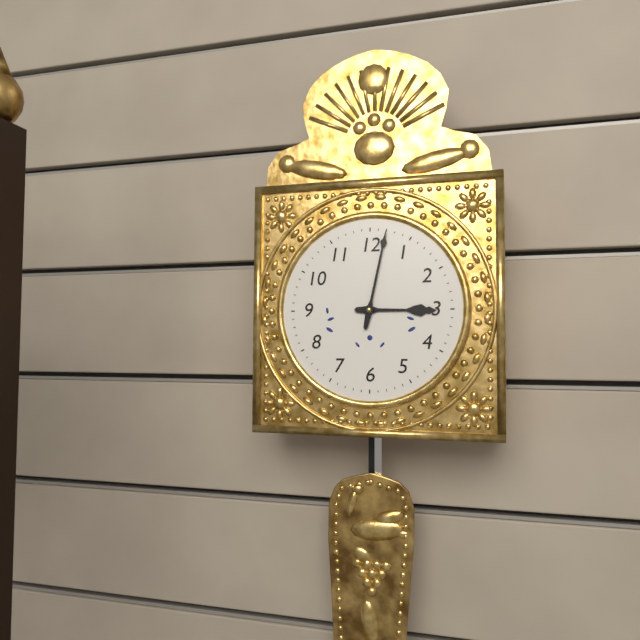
3,02
